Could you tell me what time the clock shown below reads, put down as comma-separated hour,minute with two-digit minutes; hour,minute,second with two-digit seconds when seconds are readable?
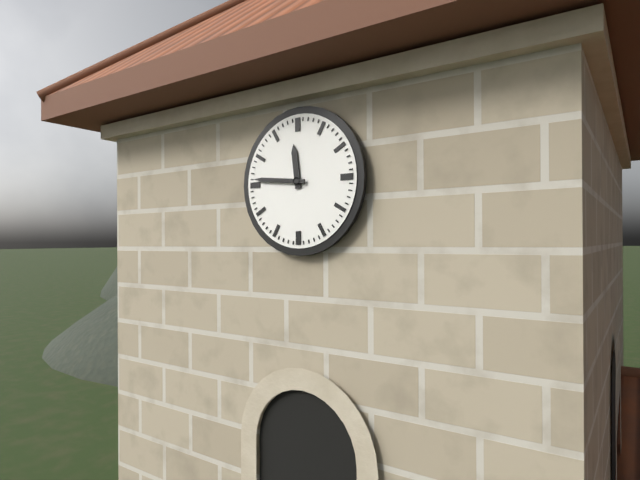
11,46
